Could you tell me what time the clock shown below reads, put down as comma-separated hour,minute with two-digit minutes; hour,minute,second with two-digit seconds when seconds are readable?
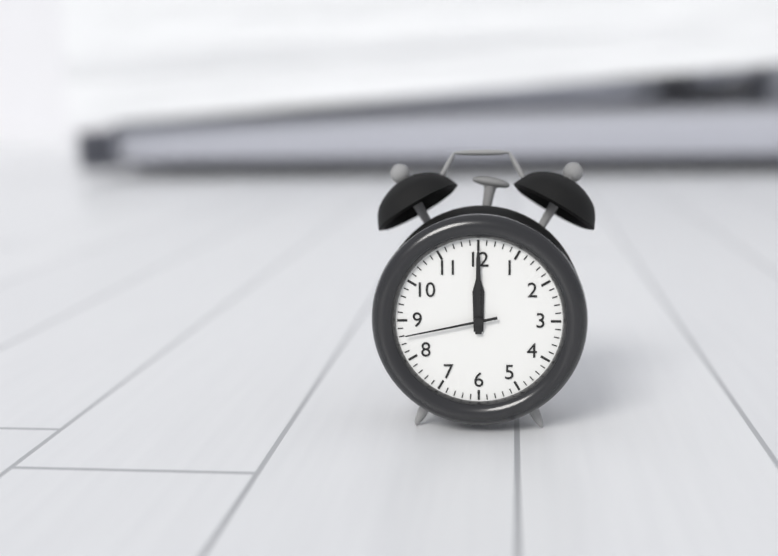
12,00,43
